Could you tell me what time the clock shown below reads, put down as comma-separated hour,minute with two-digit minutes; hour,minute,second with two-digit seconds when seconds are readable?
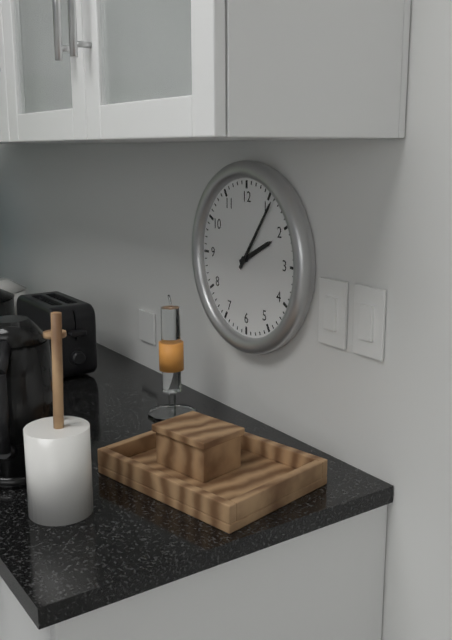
2,06
